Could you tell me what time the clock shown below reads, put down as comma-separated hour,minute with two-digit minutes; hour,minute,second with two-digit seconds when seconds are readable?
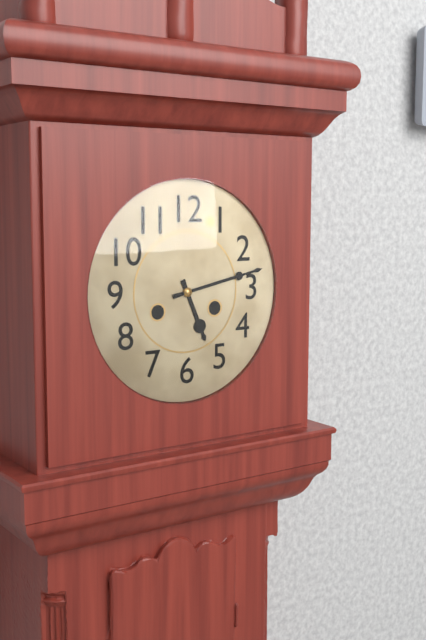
5,13
